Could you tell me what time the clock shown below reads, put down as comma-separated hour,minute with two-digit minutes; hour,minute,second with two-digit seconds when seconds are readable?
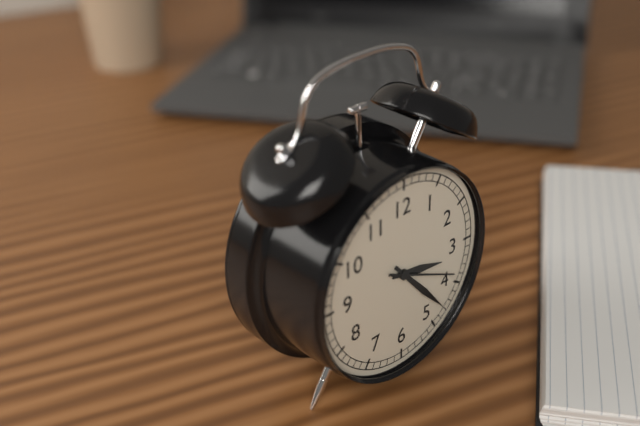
3,23,19
